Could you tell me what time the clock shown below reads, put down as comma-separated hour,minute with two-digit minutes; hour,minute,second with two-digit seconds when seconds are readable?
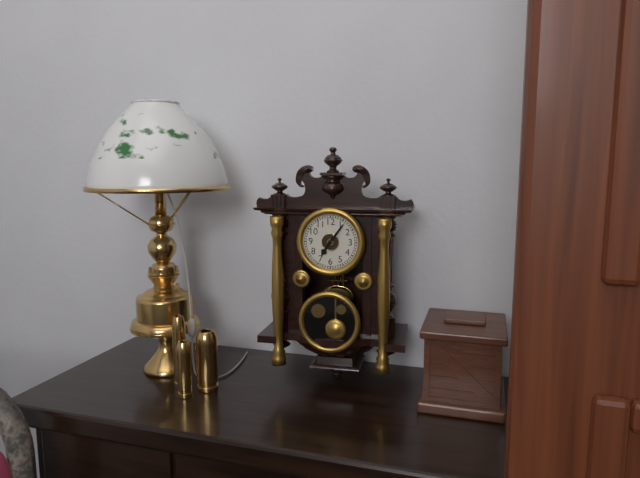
7,06
